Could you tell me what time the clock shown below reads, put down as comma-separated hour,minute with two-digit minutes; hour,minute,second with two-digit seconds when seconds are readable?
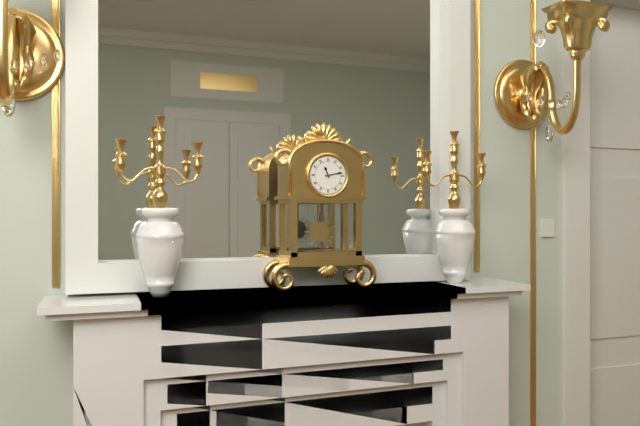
11,13
